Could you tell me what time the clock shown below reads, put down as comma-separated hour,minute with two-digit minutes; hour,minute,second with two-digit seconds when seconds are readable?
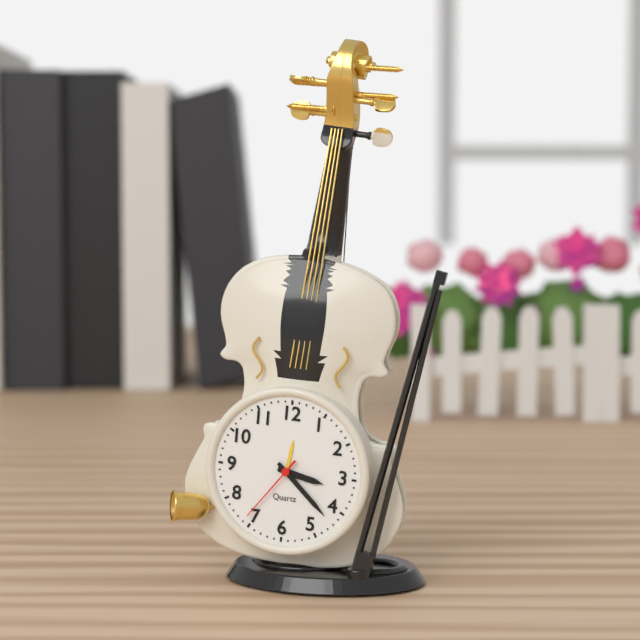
3,22,36
